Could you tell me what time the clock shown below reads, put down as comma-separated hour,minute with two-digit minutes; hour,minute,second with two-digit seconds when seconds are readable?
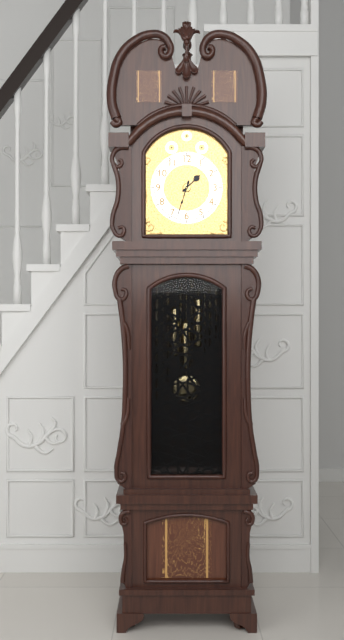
1,33
